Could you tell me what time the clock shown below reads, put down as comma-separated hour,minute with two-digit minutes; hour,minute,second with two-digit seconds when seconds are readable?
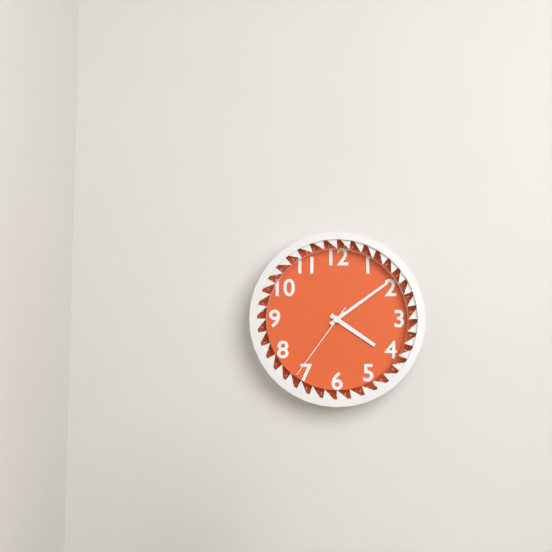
4,09,36
